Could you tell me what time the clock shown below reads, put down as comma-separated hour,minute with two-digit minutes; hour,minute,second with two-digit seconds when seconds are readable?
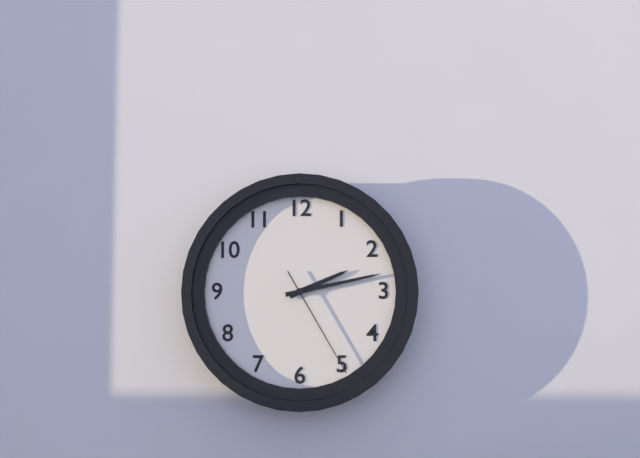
2,13,25
